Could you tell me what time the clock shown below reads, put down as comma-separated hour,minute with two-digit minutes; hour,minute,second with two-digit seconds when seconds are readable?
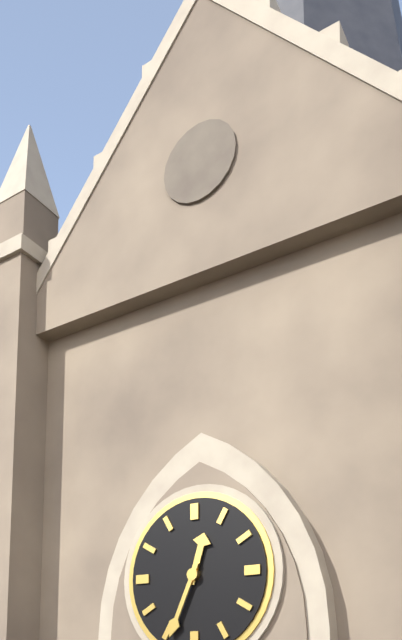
12,34
